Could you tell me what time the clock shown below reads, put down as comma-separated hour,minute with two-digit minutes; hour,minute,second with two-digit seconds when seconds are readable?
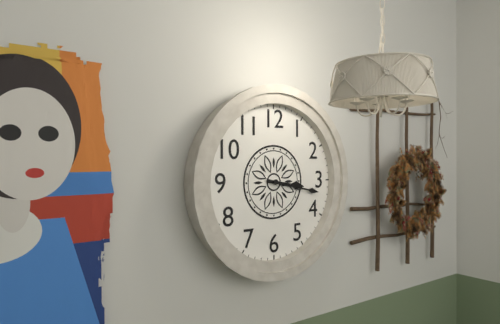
3,17
